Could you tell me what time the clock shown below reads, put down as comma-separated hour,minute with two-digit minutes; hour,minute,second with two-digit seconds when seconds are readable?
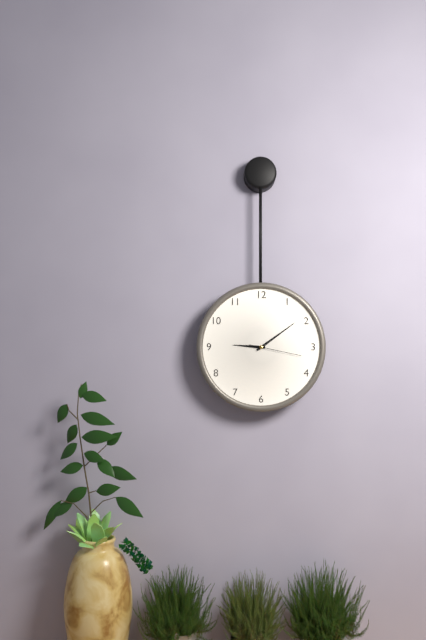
9,09,17
